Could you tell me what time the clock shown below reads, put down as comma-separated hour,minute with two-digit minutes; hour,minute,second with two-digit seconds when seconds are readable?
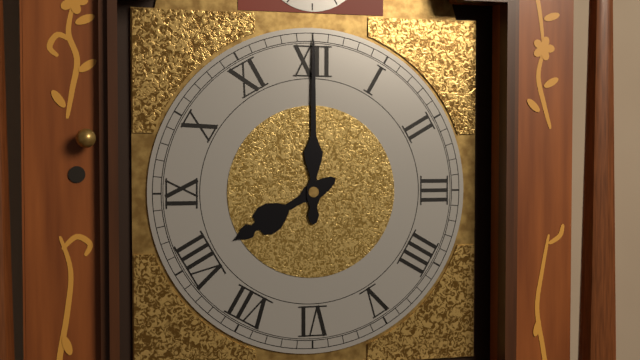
8,00
